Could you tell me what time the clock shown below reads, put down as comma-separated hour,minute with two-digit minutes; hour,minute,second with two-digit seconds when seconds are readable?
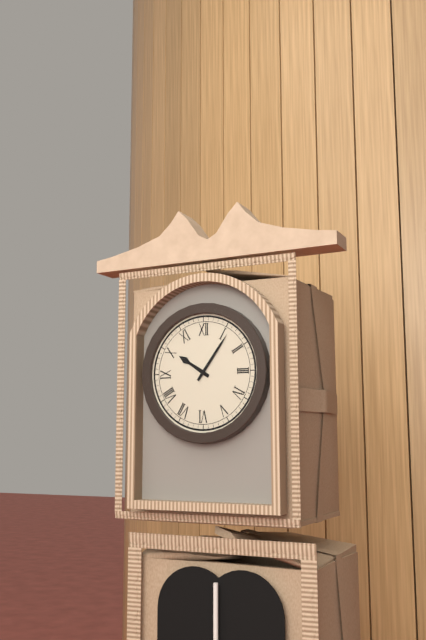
10,06
